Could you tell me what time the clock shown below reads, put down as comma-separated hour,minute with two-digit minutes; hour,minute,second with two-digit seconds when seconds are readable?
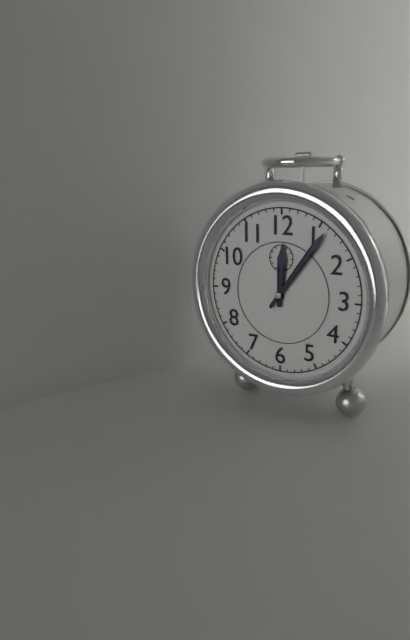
12,06
